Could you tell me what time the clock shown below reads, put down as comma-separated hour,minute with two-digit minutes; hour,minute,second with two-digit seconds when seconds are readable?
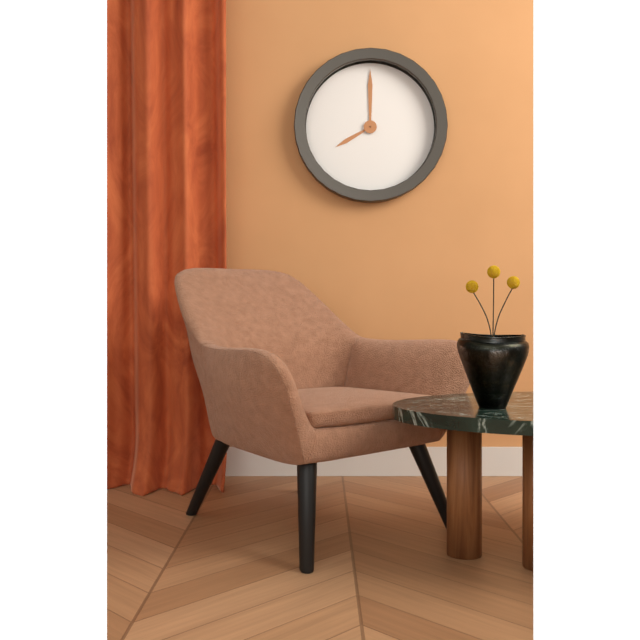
8,00
